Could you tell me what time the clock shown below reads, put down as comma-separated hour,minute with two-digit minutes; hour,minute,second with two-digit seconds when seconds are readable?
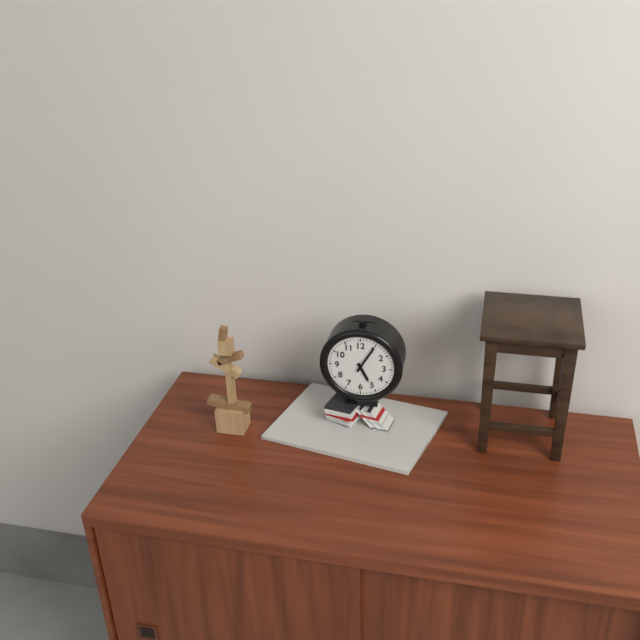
5,05
